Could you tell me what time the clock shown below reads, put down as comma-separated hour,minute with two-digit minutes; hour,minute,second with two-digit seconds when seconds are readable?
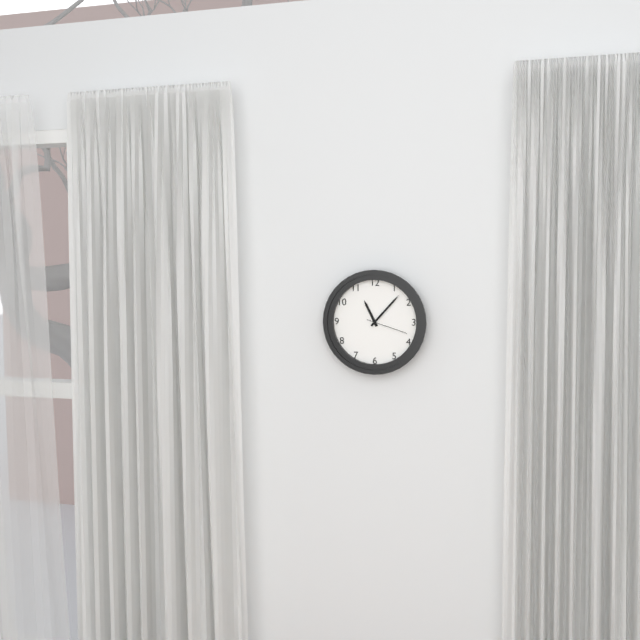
11,07
